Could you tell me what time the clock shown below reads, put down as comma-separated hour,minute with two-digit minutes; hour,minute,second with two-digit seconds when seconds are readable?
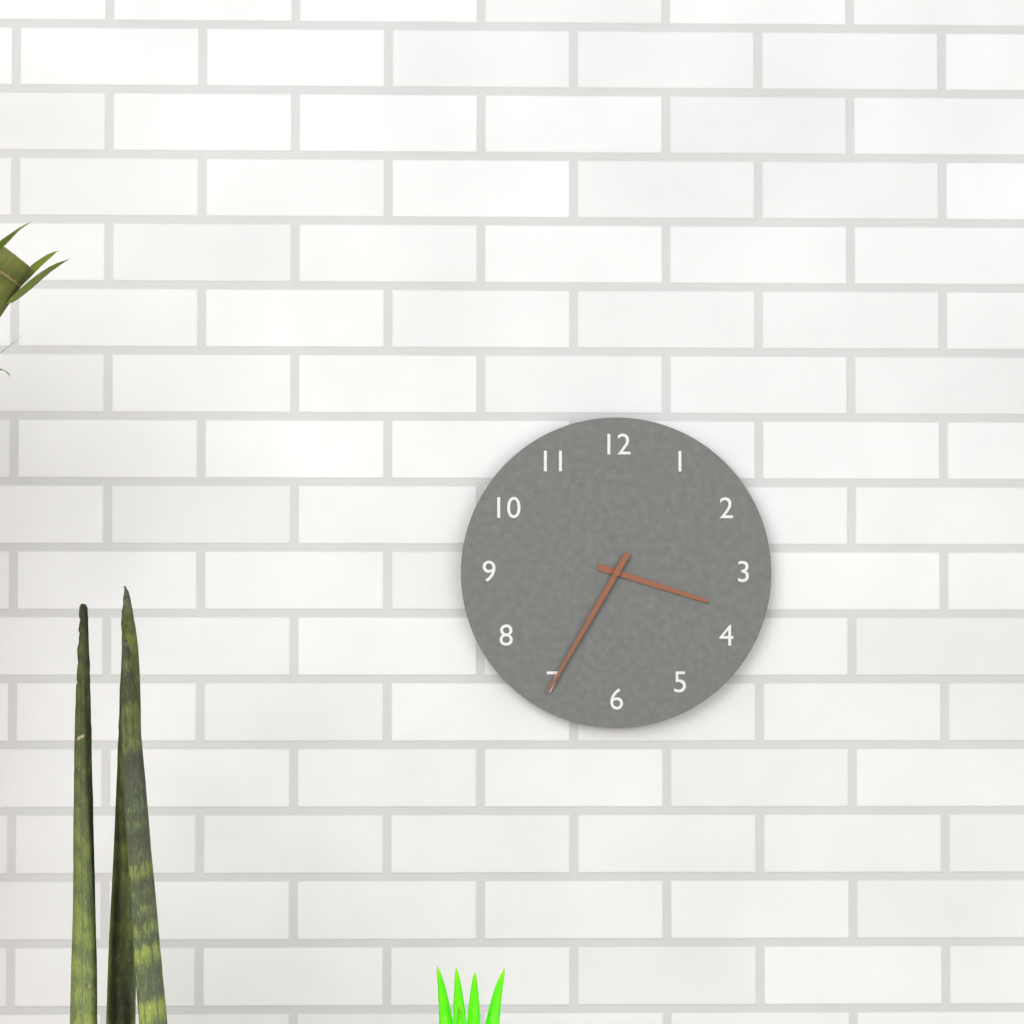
3,35
